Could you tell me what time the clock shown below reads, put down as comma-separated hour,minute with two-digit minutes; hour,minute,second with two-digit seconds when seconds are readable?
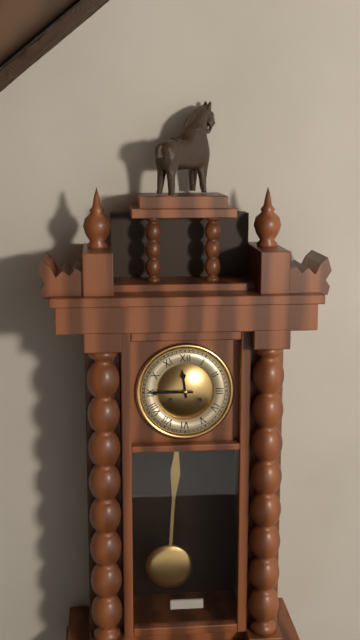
11,45
